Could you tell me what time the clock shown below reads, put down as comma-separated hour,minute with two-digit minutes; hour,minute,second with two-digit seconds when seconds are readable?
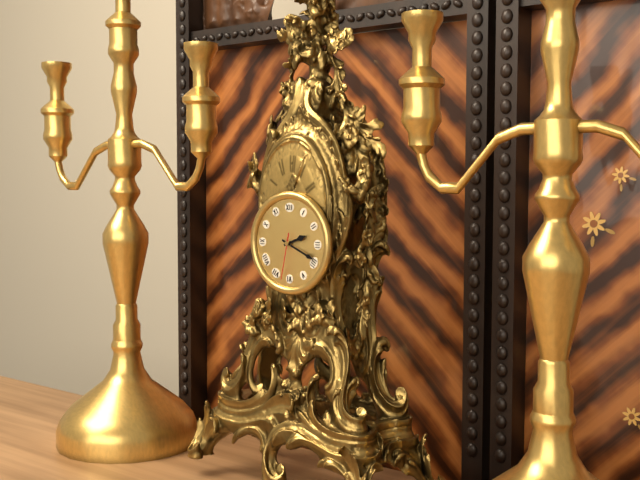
2,19
